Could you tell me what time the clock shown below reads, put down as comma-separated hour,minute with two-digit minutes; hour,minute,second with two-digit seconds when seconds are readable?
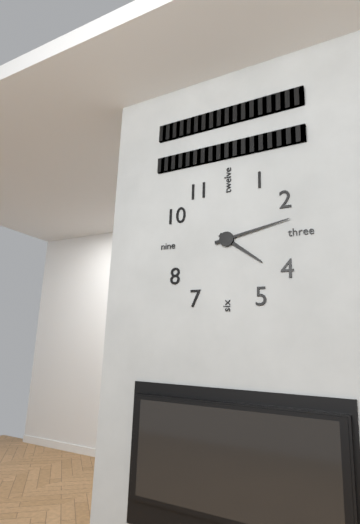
4,13
